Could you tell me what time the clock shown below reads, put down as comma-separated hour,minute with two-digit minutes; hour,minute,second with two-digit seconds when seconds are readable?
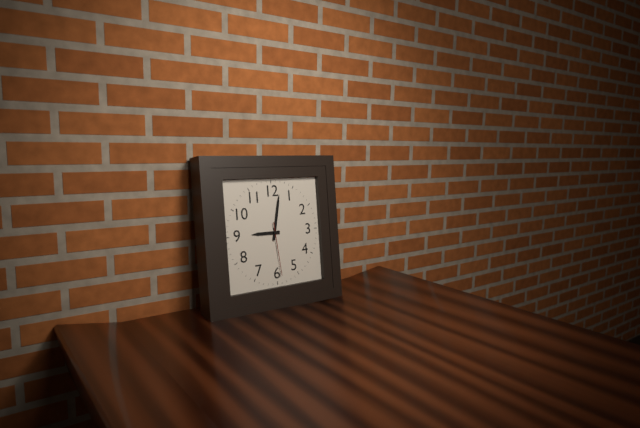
9,02,29
